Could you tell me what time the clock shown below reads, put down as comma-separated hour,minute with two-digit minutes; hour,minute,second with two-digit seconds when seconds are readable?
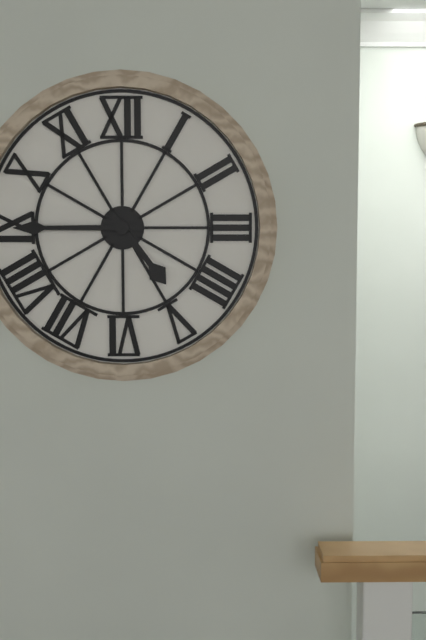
4,45
